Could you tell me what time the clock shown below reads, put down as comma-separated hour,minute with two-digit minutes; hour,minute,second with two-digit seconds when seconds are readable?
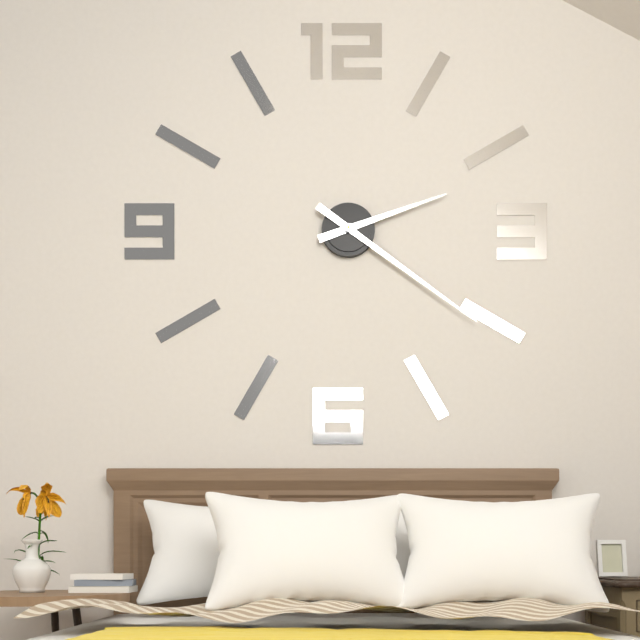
2,21
